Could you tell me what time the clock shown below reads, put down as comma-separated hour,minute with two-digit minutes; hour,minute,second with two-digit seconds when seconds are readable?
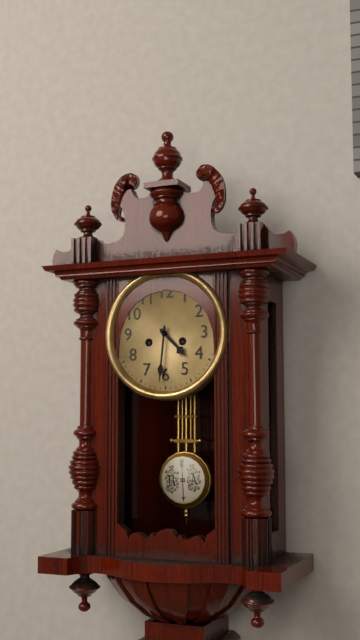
4,31
